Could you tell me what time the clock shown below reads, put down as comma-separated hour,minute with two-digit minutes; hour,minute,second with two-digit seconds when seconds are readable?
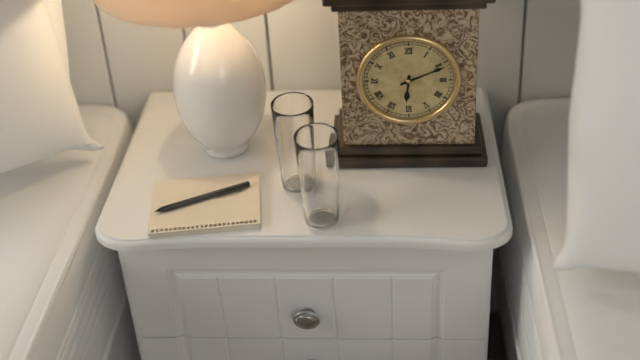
6,11
